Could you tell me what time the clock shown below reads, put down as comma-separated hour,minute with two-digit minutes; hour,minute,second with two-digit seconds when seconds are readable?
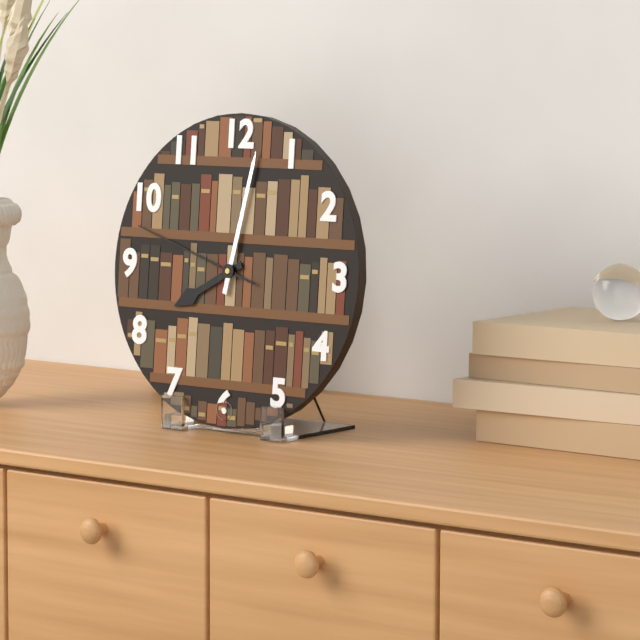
8,02,48
